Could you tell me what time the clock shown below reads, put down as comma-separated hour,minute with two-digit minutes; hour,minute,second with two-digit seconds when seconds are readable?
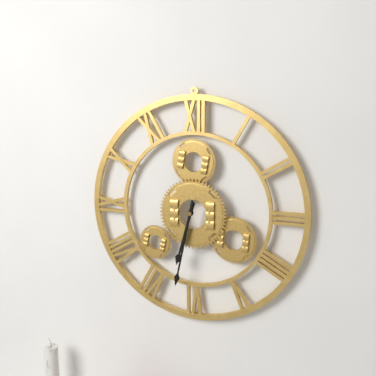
6,32
